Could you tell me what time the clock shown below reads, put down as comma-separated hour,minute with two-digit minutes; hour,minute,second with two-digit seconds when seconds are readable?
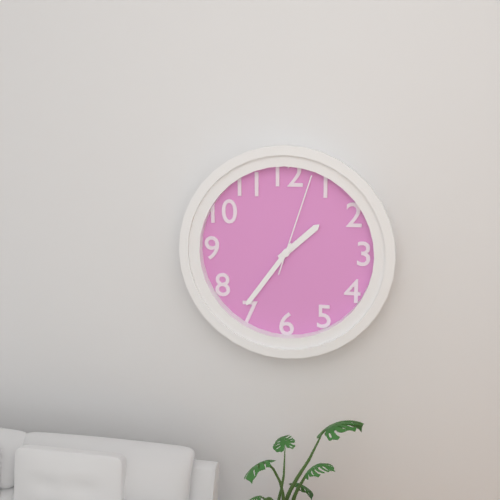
1,36,03
